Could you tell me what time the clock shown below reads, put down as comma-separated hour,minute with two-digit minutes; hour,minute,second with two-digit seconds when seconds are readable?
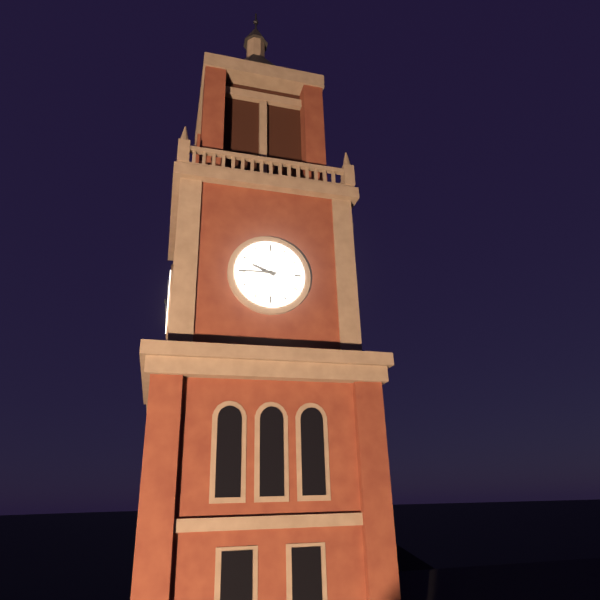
9,45
